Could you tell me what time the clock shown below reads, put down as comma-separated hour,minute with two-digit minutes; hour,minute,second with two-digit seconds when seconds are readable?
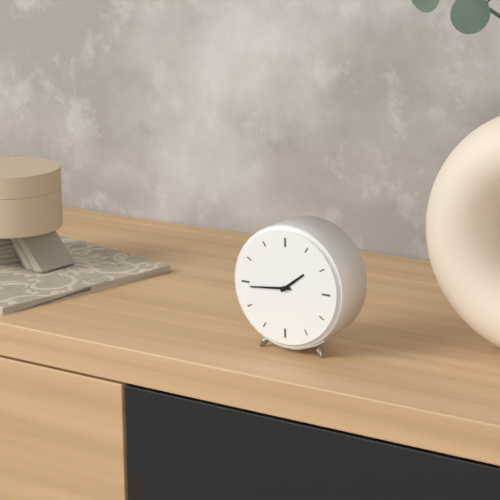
1,44
